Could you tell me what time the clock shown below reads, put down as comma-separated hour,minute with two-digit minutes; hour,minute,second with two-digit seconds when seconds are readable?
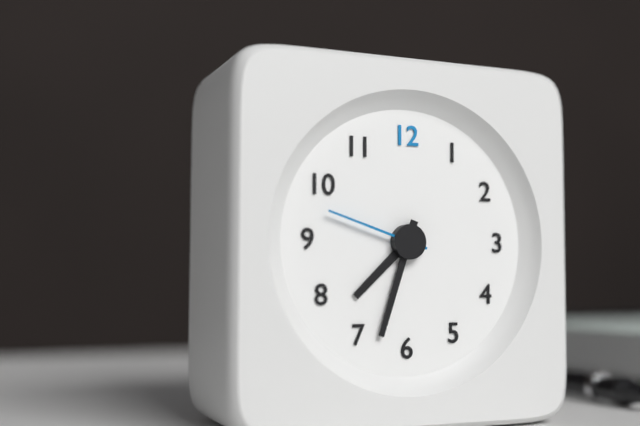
7,33,48
